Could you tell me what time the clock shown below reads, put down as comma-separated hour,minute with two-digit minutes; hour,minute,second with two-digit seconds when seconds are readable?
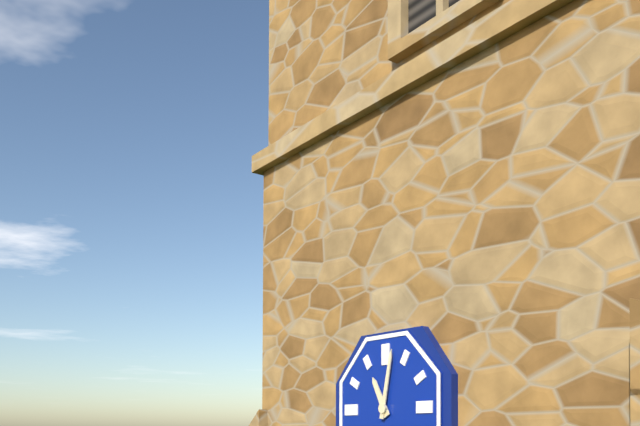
11,02
